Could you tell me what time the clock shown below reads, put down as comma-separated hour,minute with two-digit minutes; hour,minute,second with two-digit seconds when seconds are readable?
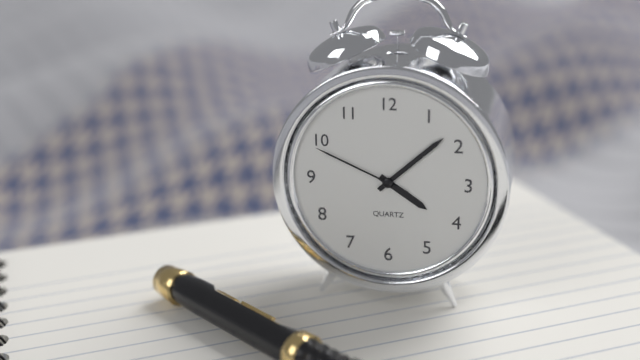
4,08,49
